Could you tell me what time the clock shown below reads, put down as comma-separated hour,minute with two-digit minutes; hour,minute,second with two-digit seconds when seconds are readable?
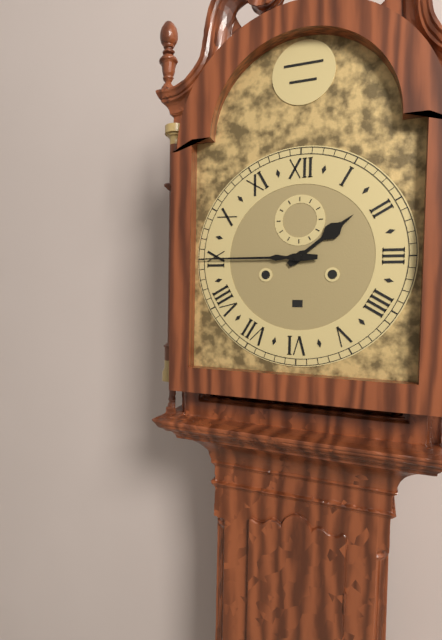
1,45
